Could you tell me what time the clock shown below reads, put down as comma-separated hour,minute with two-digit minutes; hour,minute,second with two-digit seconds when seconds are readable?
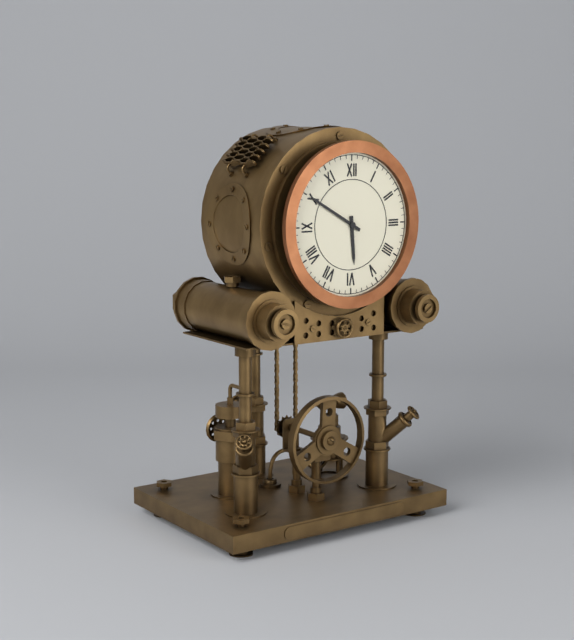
5,50
